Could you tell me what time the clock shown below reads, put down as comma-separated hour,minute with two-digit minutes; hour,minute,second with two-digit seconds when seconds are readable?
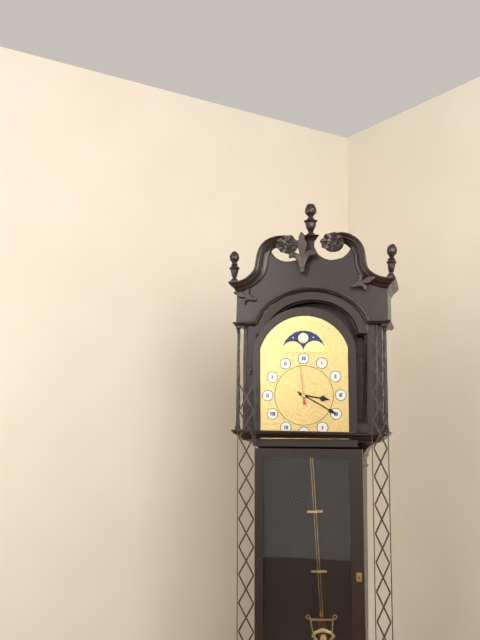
3,20
